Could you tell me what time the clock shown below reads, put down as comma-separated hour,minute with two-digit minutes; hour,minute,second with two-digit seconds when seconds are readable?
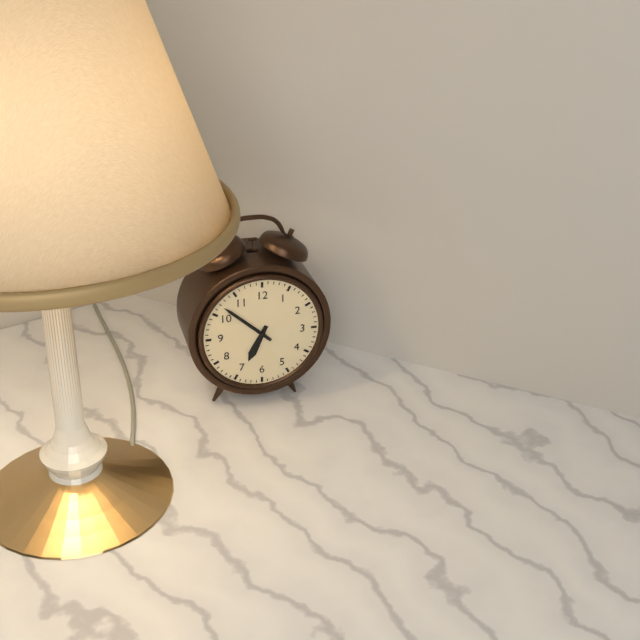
6,52
